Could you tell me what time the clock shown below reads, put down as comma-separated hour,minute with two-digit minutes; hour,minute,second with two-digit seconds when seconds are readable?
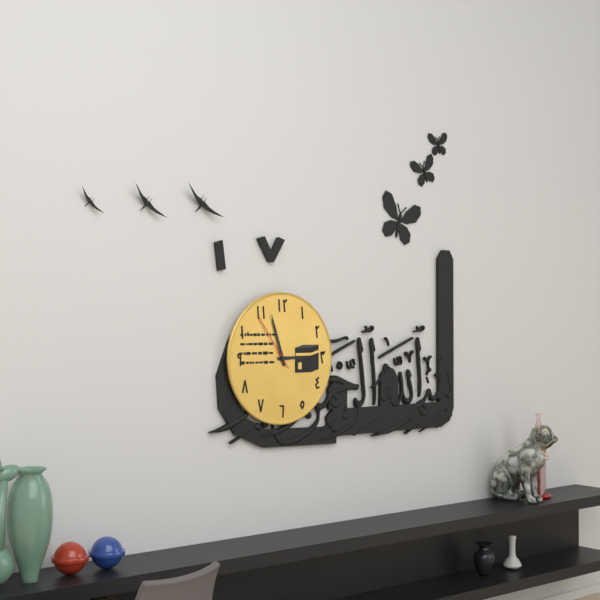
2,57,54
